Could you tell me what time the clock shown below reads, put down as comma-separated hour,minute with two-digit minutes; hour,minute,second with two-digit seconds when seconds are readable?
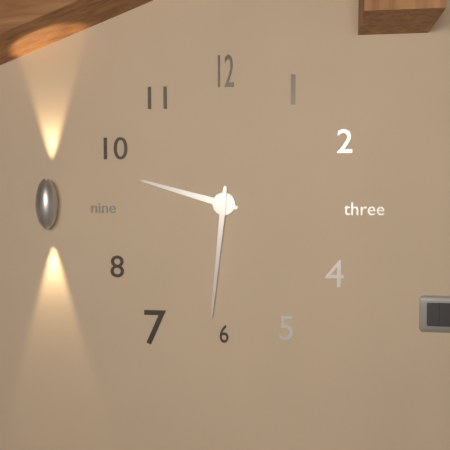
9,31
